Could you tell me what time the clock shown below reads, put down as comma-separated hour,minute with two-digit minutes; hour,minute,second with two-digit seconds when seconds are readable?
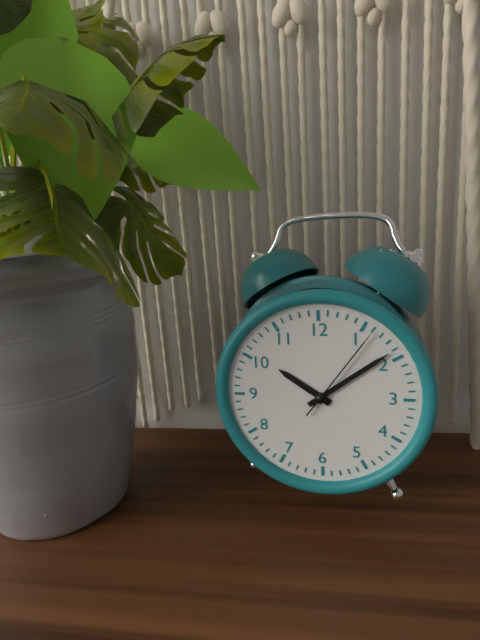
10,09,06
